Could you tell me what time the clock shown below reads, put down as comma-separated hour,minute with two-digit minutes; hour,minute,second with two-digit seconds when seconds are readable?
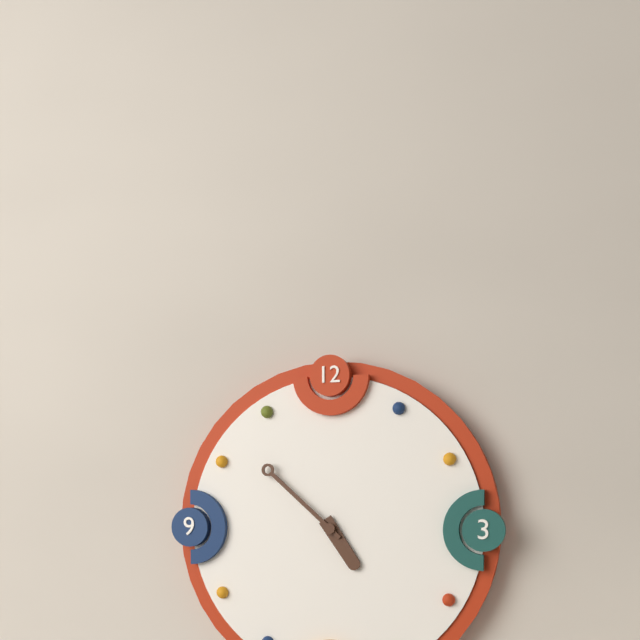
4,52
